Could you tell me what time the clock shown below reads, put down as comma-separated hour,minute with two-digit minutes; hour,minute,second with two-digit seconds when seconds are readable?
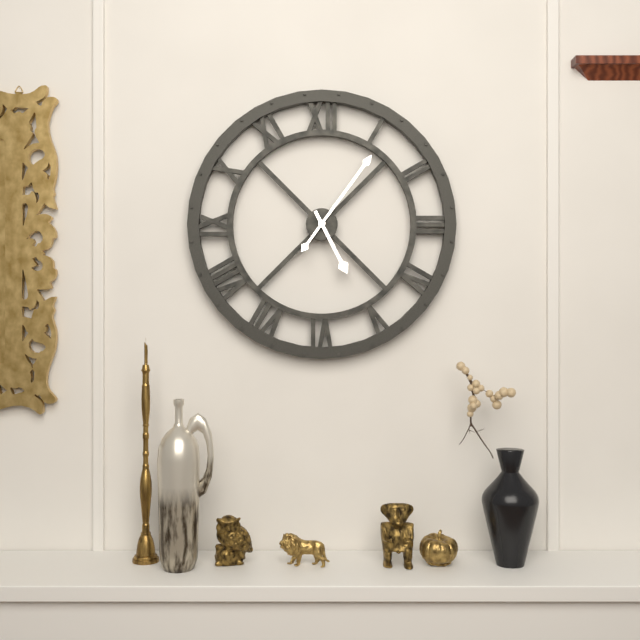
5,06
